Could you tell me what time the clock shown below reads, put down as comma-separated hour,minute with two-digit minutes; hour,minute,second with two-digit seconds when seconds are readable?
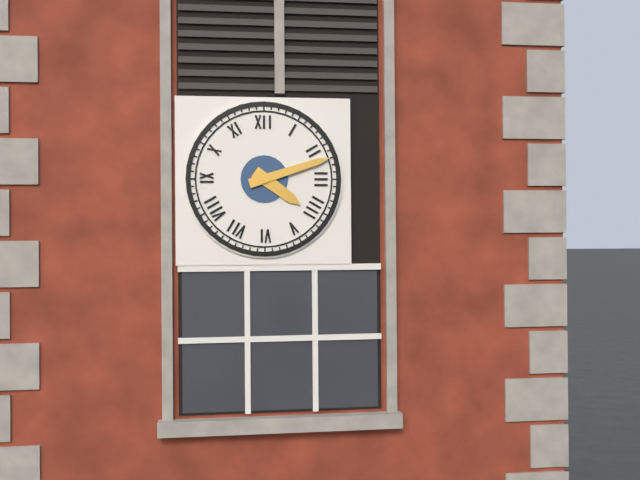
4,12
